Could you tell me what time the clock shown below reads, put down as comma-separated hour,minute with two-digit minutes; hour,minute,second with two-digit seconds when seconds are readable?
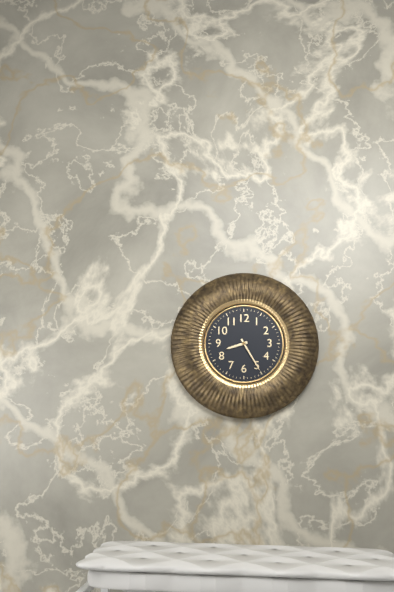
8,25
